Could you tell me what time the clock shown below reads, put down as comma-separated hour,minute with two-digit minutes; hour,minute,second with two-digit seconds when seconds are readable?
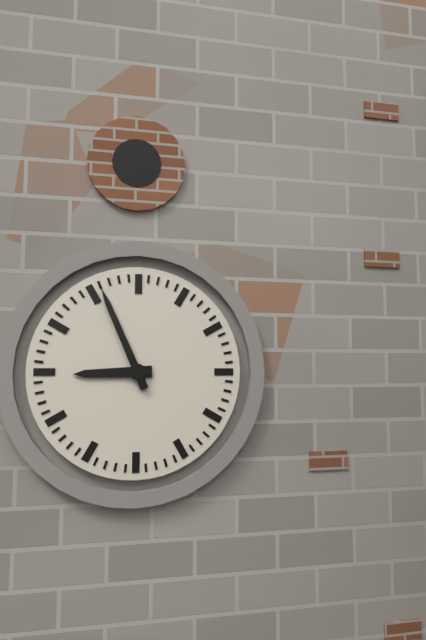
8,56
